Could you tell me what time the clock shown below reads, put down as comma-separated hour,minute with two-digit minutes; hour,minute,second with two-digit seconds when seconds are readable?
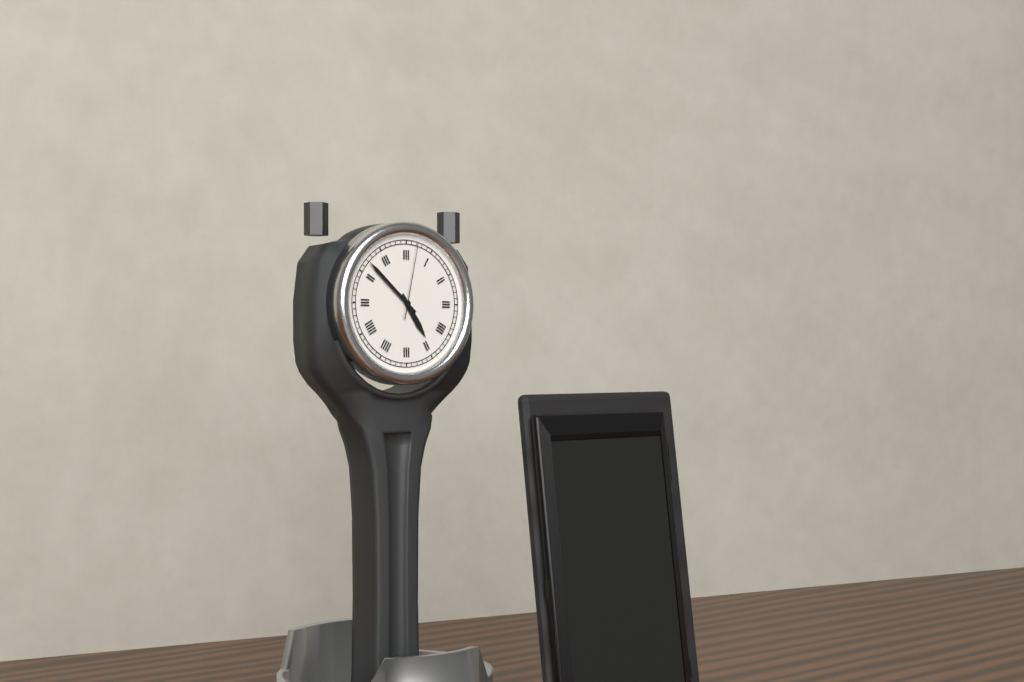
4,52,02
